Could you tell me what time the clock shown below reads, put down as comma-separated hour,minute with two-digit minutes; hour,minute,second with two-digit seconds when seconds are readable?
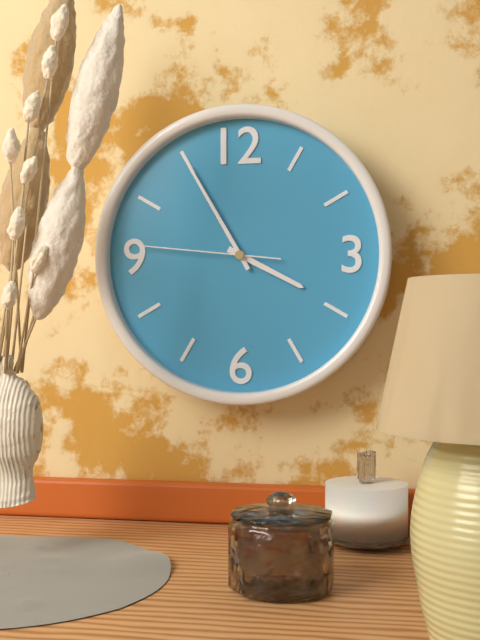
3,55,46
